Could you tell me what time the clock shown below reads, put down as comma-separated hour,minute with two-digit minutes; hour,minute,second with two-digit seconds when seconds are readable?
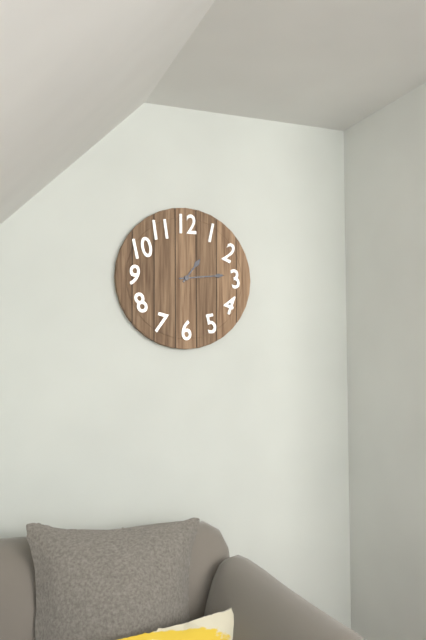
1,14
